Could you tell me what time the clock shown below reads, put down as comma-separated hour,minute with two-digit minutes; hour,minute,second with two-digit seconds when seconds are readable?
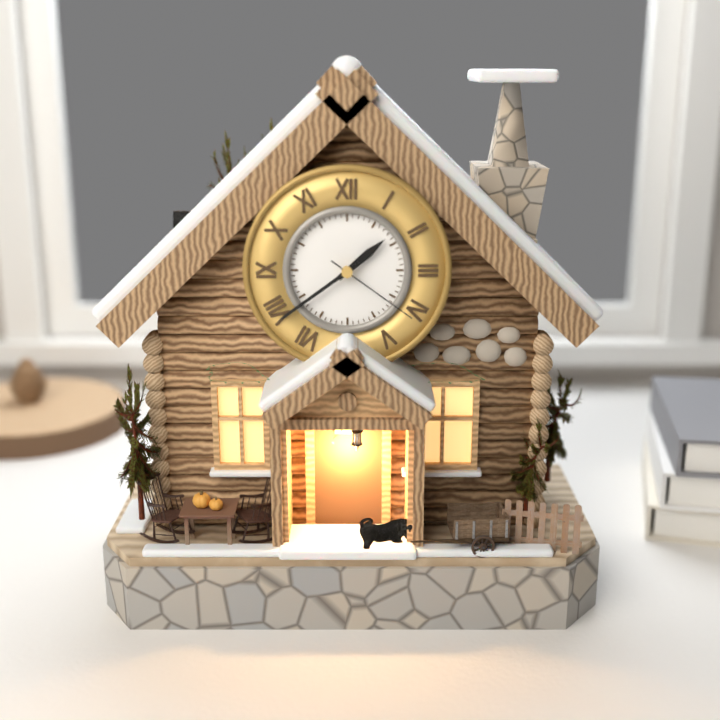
1,39,21
